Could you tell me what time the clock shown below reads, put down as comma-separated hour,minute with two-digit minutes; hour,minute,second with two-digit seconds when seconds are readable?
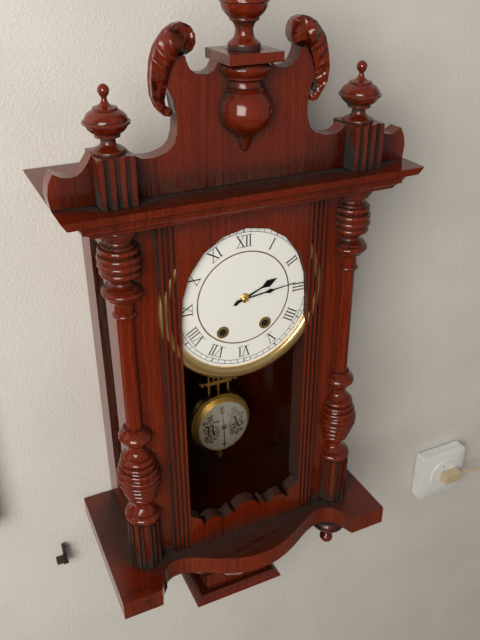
2,14
